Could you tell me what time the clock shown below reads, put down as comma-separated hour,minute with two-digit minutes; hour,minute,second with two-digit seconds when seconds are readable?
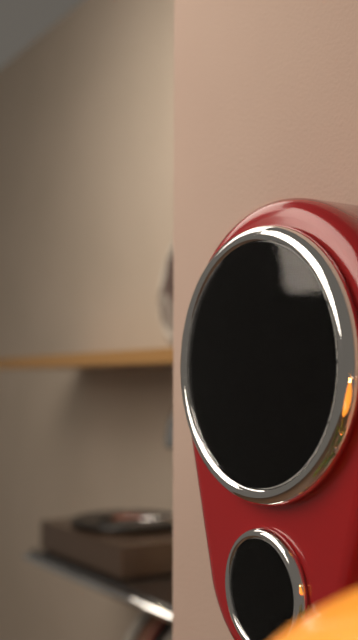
12,39,12
